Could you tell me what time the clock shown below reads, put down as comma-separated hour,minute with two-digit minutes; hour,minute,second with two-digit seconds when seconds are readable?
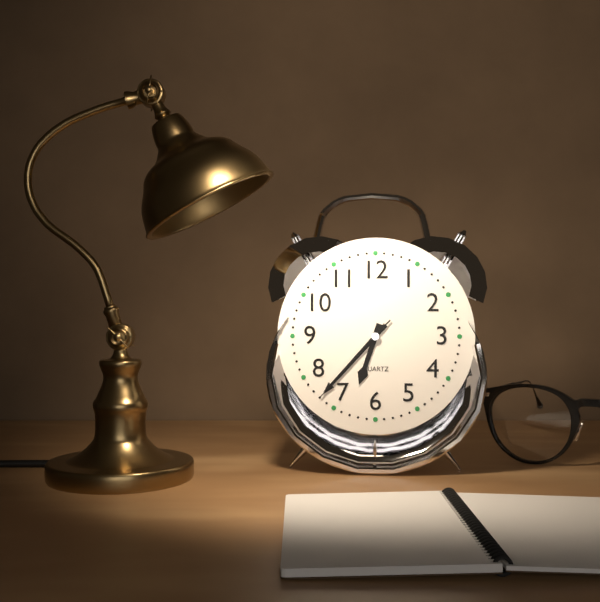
6,37,37
